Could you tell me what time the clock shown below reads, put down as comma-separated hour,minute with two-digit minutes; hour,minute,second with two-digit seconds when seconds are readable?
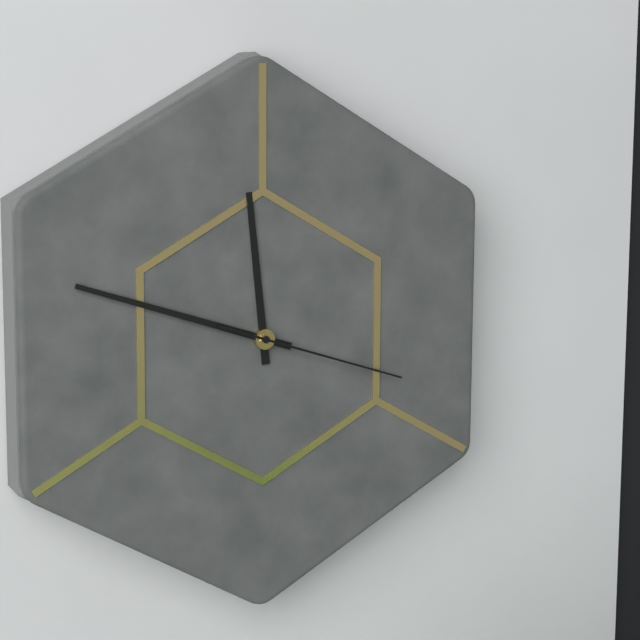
11,48,18
